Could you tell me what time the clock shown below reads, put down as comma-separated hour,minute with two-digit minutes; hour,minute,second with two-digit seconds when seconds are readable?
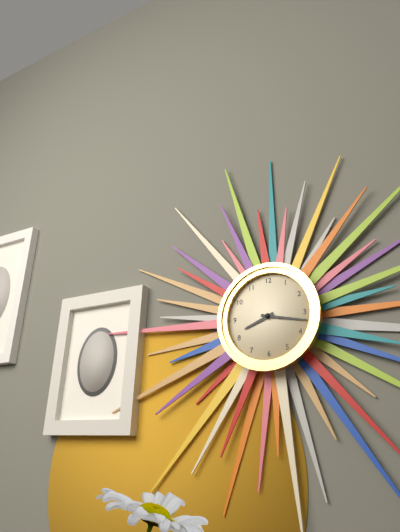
8,17
